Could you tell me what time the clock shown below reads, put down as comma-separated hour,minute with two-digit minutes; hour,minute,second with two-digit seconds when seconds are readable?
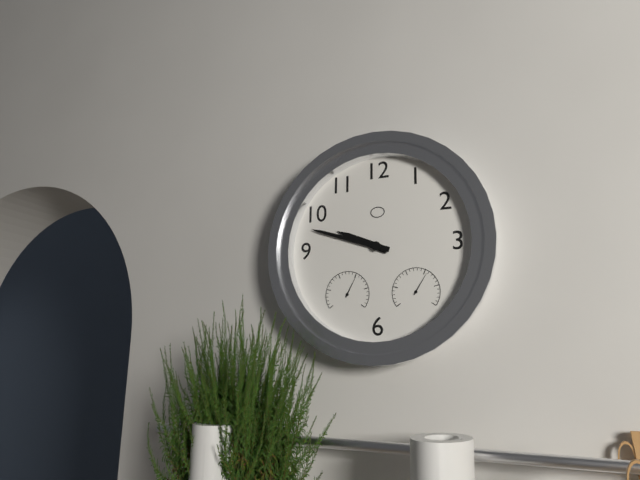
9,48
